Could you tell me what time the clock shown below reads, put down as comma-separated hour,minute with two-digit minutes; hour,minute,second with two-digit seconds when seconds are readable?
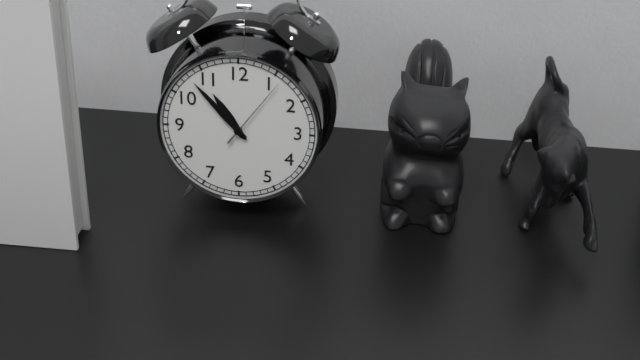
10,53,06
